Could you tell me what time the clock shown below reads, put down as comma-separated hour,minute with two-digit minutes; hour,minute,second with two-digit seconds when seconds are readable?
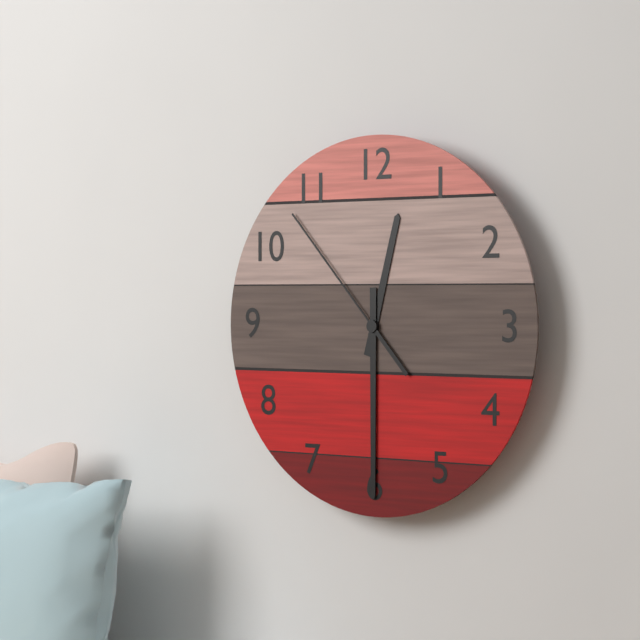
12,30,53
